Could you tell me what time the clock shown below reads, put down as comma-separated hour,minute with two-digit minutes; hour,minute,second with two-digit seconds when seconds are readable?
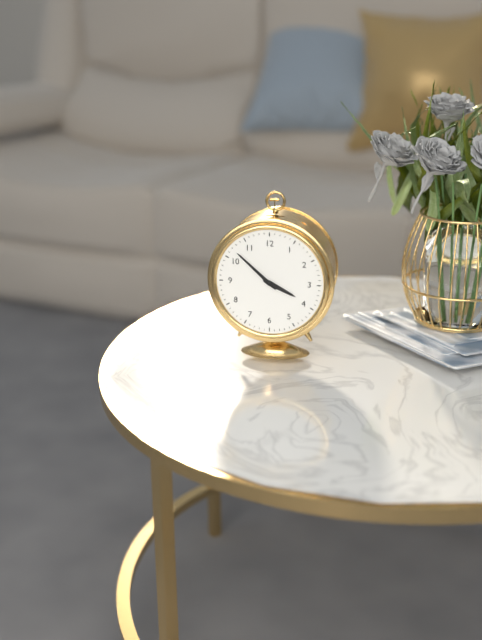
3,52
